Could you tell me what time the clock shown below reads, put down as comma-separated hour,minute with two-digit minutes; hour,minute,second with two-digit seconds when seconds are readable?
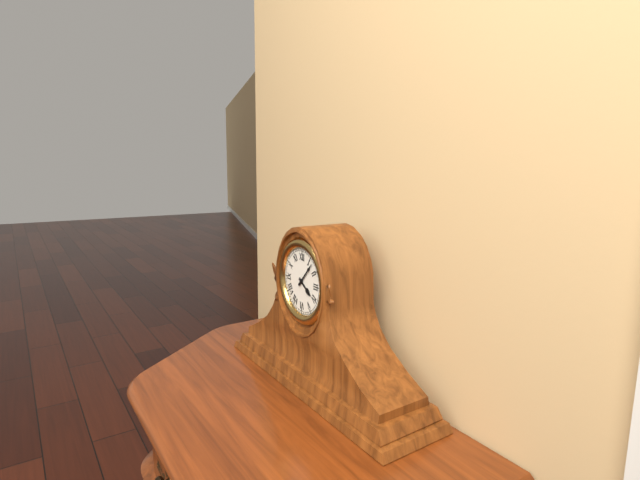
4,07
